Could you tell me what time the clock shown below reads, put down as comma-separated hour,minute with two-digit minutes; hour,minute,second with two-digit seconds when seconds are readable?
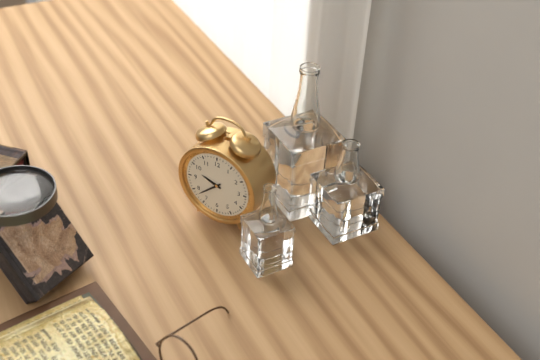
9,38
